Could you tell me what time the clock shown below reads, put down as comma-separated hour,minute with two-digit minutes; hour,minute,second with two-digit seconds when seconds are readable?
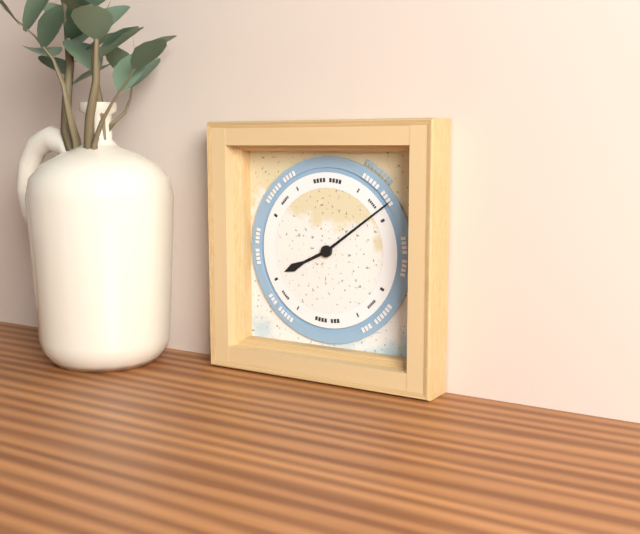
8,09
